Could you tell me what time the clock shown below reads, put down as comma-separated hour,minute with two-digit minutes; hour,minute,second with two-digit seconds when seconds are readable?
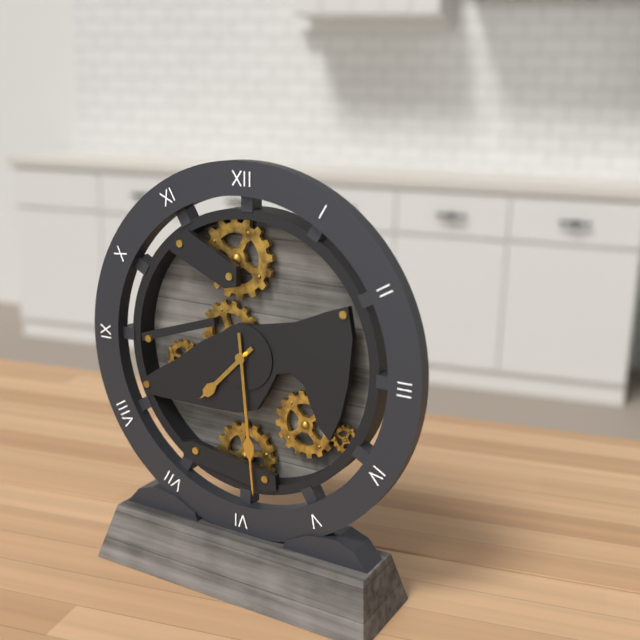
7,29
